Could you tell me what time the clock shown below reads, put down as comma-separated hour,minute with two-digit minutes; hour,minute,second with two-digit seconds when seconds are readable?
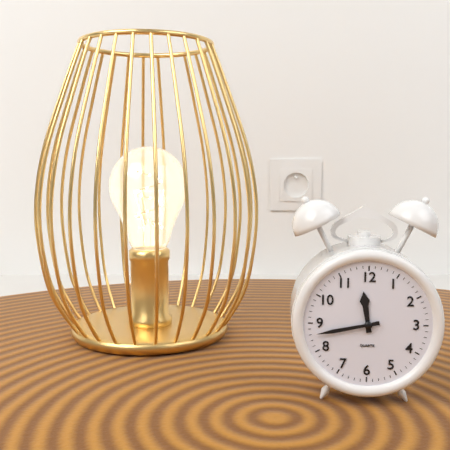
11,43
